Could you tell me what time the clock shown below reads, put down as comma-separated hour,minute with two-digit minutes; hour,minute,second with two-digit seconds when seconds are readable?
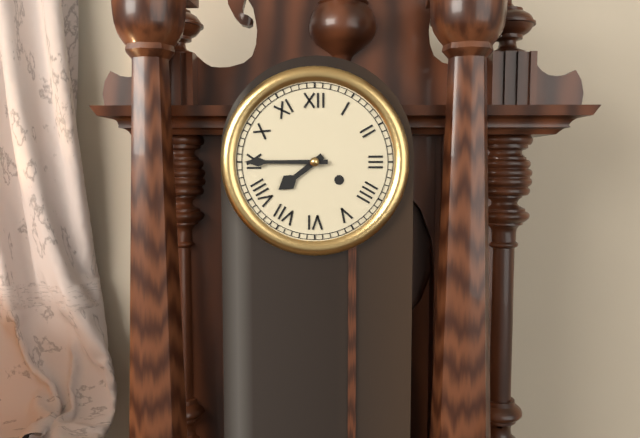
7,45
